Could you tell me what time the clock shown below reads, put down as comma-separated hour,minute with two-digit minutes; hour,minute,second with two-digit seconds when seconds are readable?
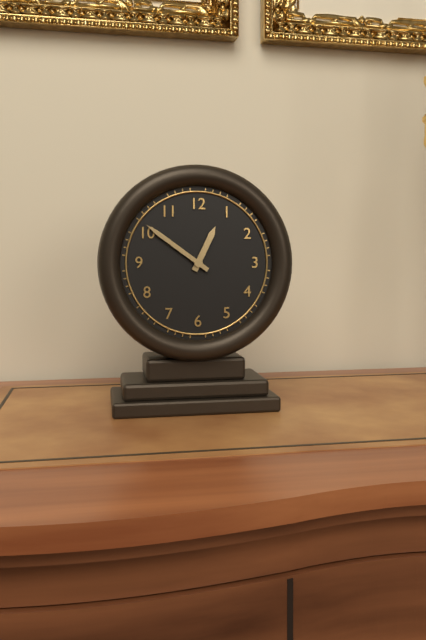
12,51
